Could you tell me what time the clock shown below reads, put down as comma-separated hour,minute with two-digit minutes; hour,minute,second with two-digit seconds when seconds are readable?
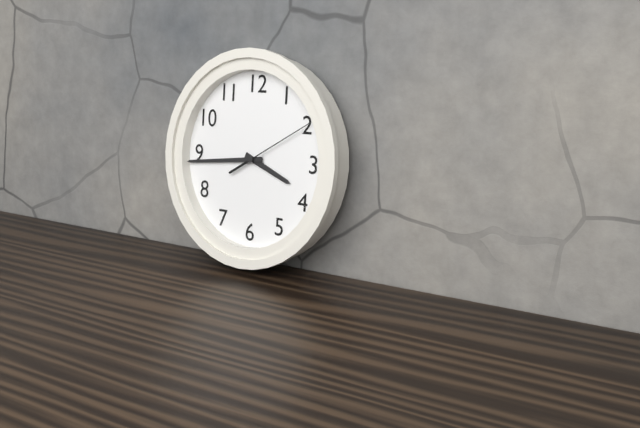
3,44,10
